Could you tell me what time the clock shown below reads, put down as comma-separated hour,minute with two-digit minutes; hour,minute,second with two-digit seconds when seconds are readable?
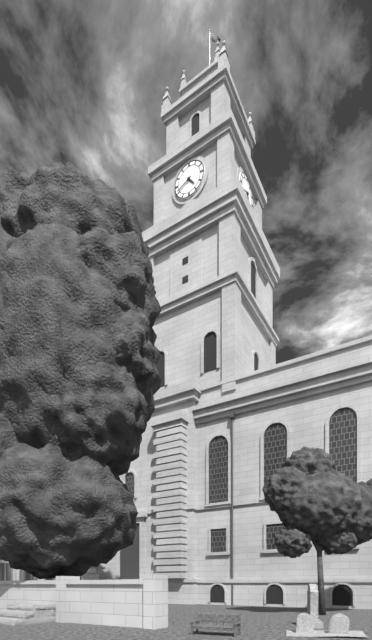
4,41
